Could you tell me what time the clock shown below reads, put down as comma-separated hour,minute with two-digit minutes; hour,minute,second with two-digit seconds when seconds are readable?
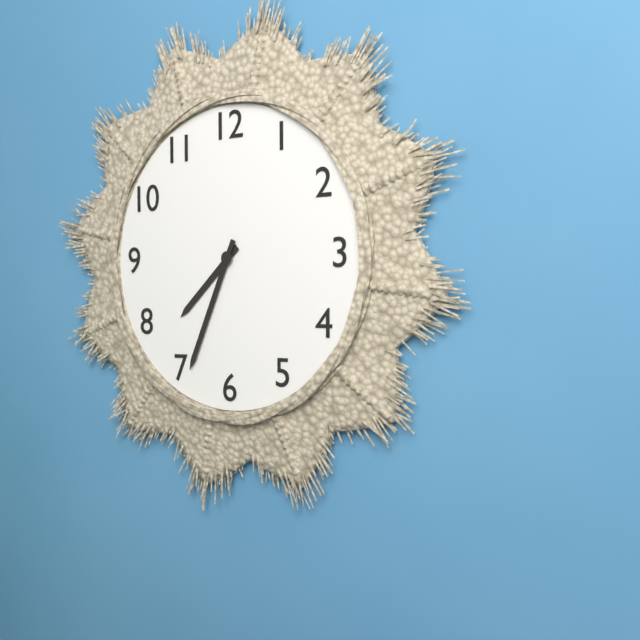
7,34
